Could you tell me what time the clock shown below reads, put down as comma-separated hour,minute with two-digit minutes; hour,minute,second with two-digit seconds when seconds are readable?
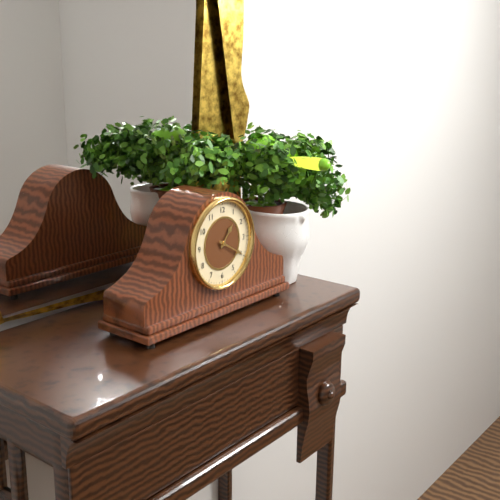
1,20
